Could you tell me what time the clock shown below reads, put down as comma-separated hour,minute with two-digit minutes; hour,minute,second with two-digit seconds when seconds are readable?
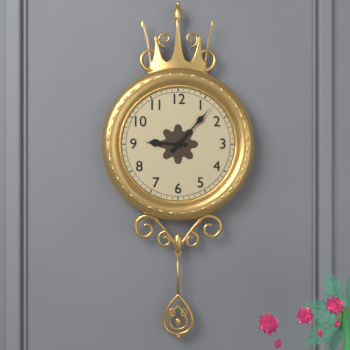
9,07
